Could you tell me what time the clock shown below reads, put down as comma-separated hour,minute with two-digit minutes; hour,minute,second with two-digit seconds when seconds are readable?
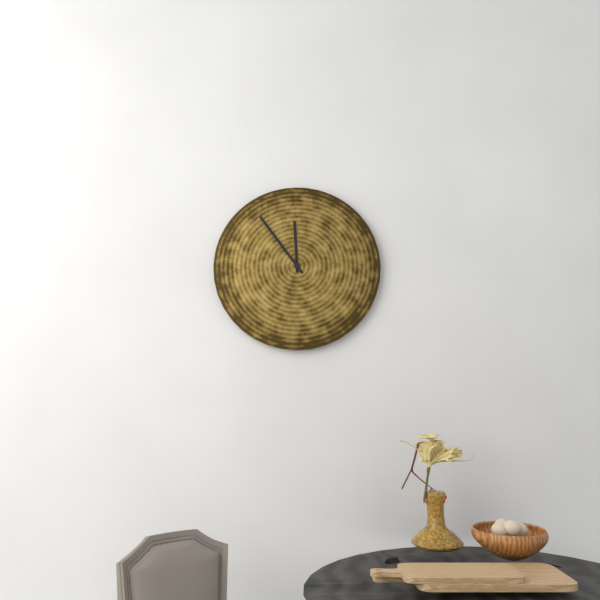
11,54
